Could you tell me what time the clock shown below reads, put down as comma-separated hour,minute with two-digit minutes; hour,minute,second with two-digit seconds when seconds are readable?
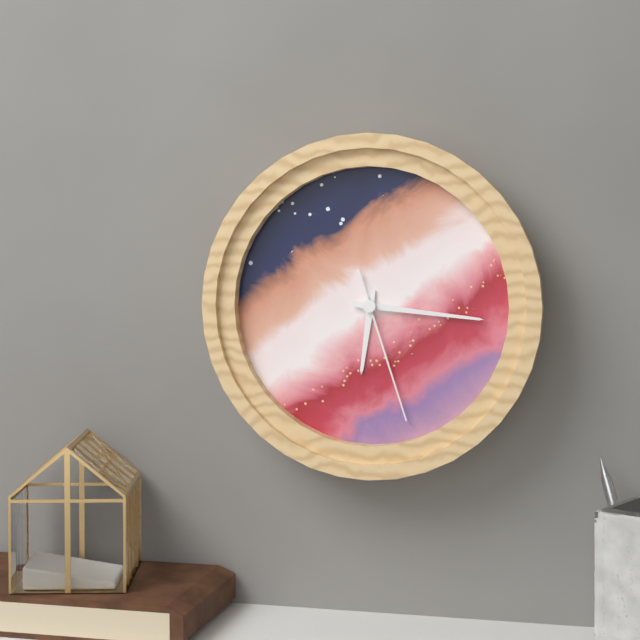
6,16,27
